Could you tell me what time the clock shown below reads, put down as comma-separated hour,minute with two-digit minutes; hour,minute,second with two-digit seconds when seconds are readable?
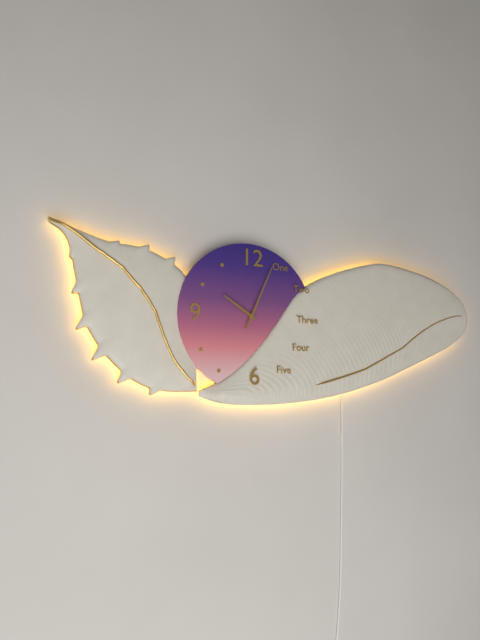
10,04
